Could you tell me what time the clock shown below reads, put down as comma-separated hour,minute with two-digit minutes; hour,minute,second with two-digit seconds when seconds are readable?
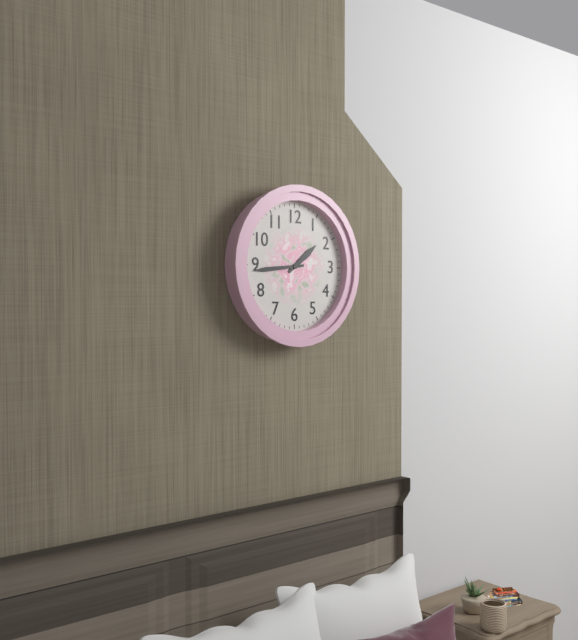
1,44
